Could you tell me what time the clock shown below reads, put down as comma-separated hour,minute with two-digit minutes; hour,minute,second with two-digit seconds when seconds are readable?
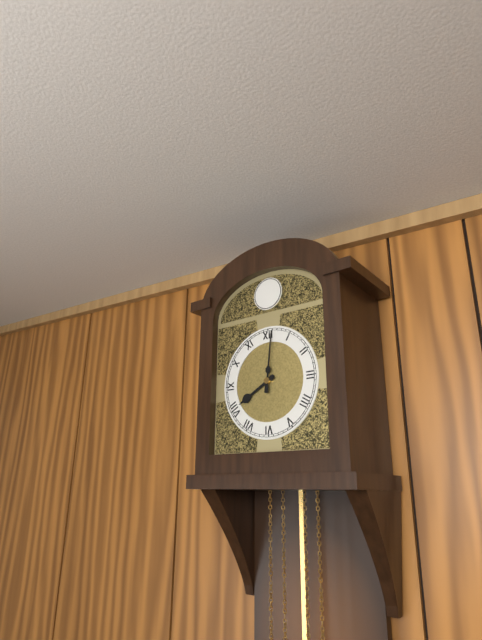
8,01
